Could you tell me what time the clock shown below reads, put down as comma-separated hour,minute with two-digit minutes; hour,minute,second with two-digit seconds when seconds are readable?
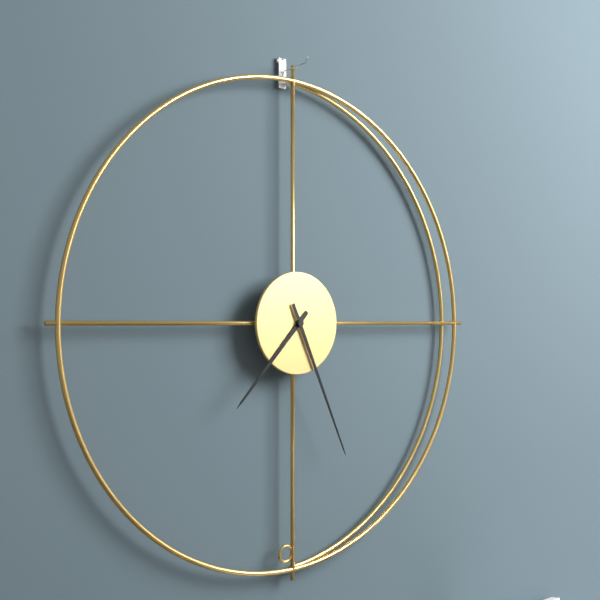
7,26
